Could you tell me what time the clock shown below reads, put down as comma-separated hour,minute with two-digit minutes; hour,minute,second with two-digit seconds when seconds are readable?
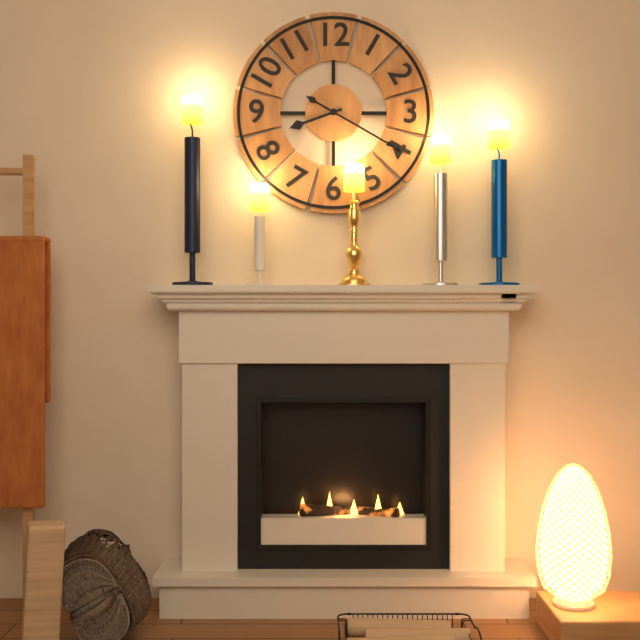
8,20
